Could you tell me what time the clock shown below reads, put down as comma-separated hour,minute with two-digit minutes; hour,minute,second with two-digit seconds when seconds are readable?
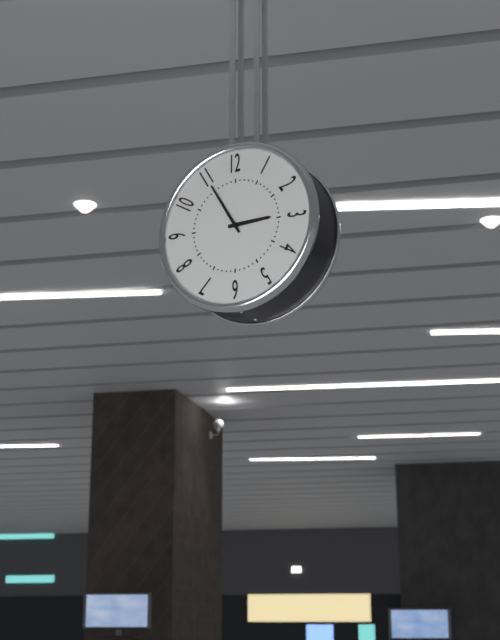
2,55
